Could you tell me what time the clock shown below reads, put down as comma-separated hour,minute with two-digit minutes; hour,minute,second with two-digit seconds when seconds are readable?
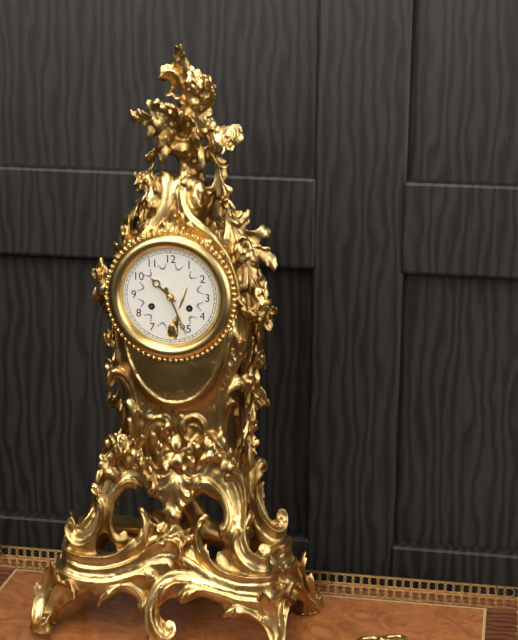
10,26
